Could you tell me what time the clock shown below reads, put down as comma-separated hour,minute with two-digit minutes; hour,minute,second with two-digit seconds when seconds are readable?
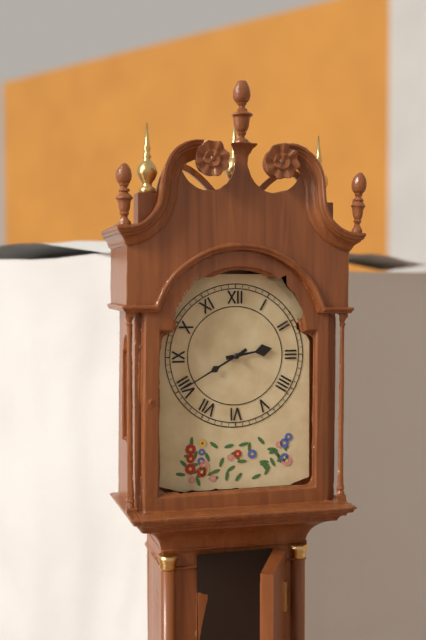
2,40
